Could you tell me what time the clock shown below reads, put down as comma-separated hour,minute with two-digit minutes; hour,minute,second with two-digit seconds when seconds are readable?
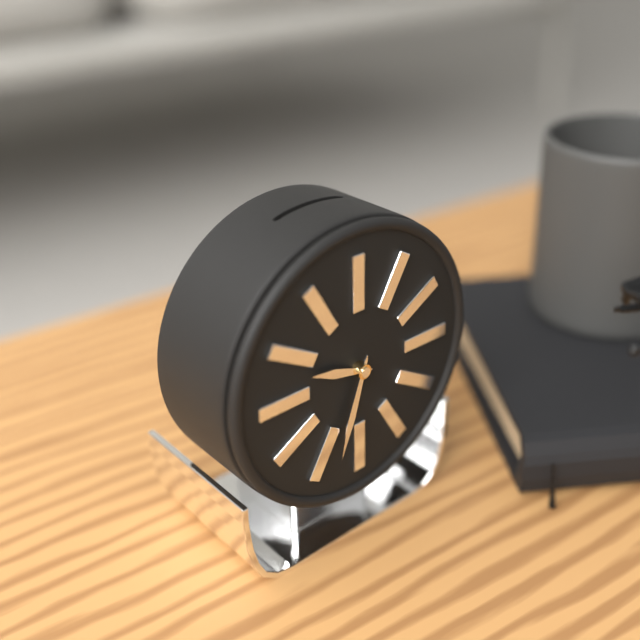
9,33
